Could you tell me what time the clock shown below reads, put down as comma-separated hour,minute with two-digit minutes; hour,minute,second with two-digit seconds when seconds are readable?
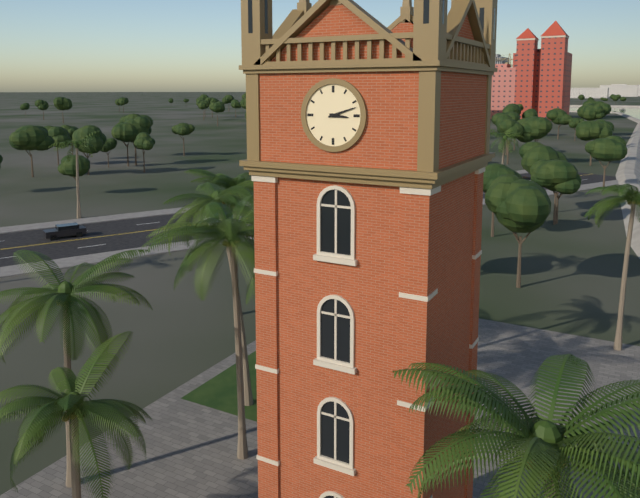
3,12
